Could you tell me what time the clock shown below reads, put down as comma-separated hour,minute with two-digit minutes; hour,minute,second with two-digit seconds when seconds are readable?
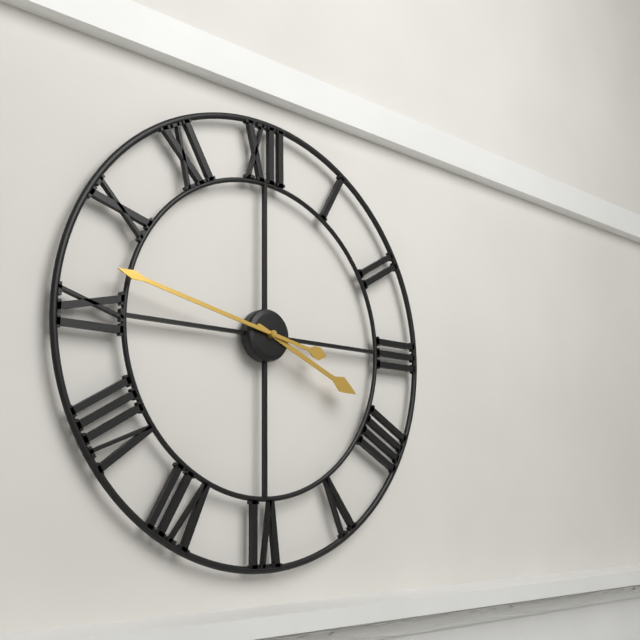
3,47
